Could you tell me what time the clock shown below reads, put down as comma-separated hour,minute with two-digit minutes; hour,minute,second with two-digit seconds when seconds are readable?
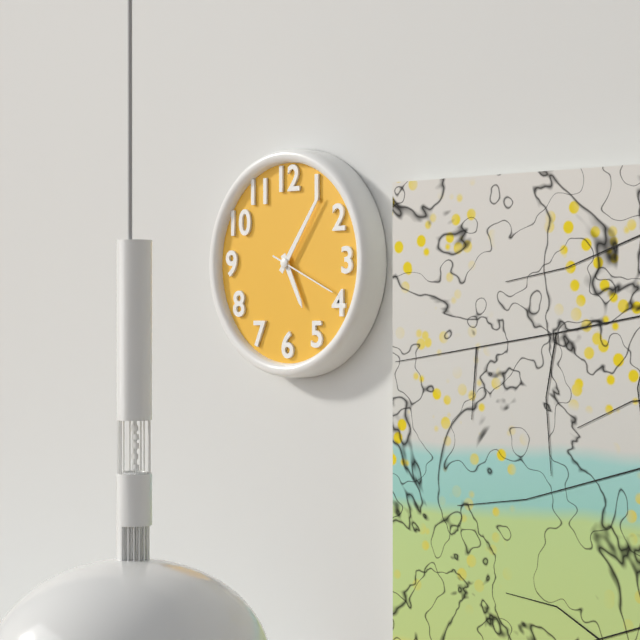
5,06,19
